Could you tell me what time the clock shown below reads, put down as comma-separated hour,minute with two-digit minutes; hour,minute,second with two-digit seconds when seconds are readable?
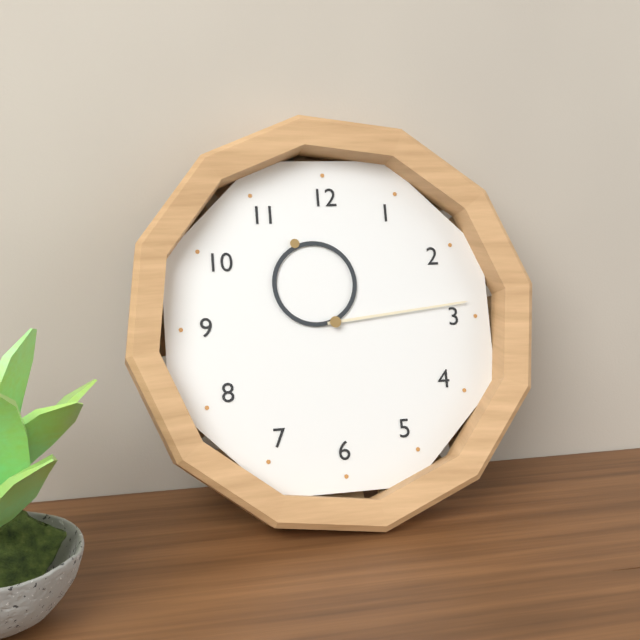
11,14
